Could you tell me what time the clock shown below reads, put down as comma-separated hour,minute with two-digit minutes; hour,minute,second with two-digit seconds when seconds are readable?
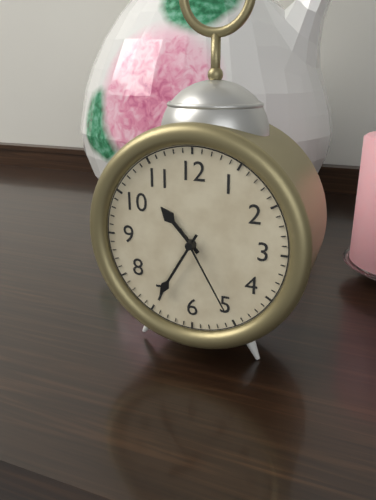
10,35,25
